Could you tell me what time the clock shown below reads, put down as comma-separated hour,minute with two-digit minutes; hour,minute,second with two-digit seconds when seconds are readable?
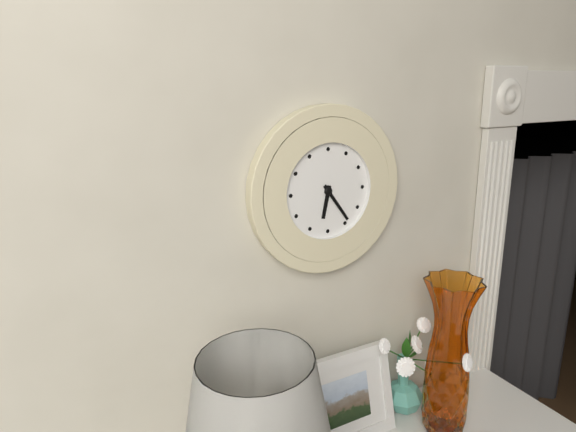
6,24
